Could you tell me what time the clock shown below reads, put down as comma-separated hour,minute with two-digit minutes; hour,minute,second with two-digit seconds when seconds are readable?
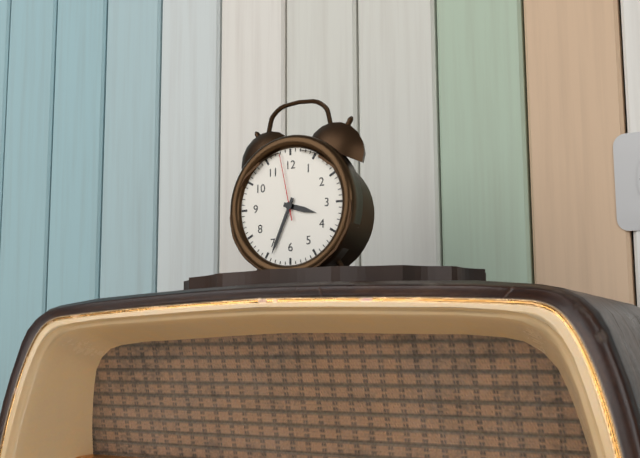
3,34,58
